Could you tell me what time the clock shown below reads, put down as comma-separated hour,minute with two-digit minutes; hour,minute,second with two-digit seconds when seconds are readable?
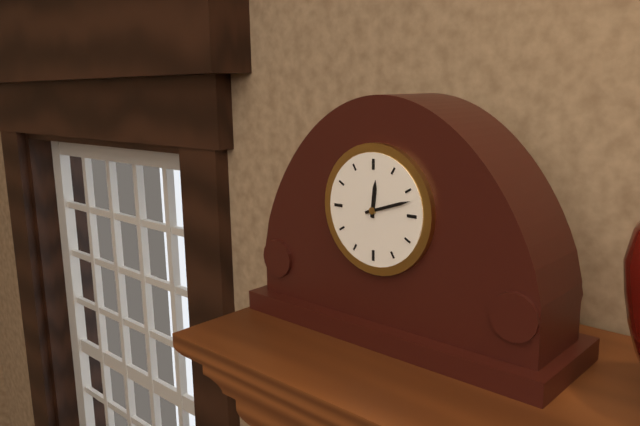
12,12
